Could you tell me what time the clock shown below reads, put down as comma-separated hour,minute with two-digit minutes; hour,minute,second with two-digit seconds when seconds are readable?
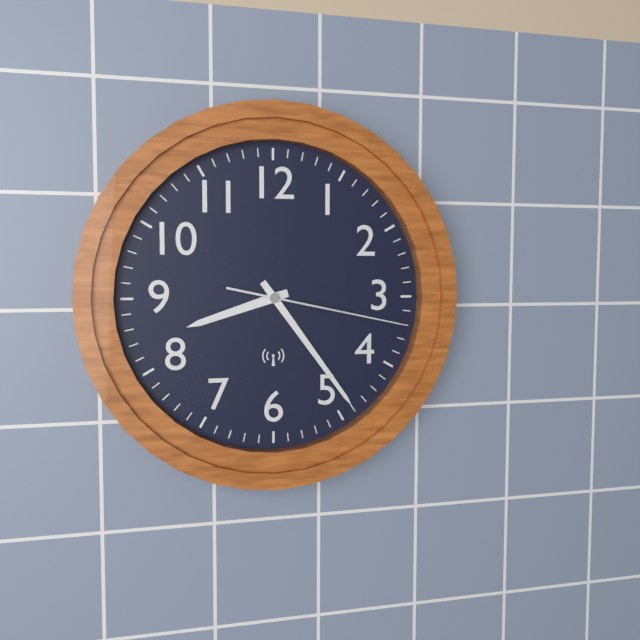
8,24,17
